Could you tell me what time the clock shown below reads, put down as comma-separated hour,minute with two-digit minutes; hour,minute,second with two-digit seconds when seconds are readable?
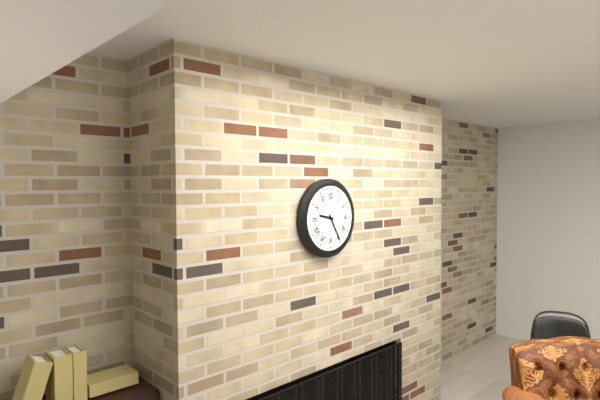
9,25
